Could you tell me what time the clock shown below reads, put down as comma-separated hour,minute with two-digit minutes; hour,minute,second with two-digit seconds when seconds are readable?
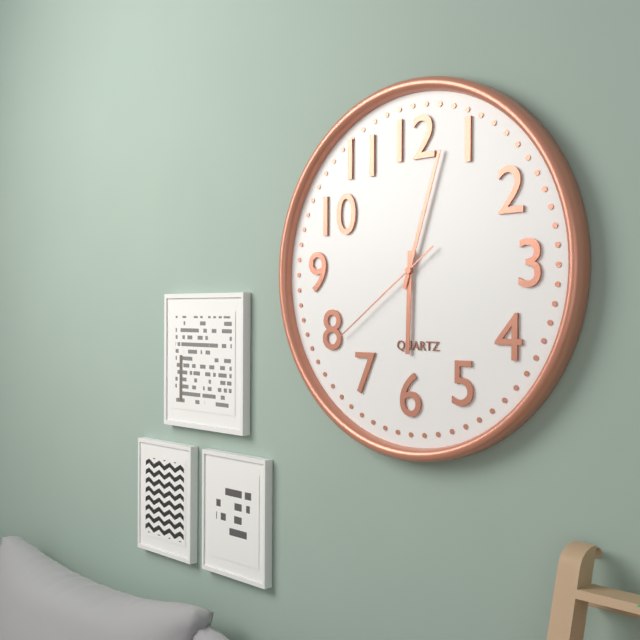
6,03,39
